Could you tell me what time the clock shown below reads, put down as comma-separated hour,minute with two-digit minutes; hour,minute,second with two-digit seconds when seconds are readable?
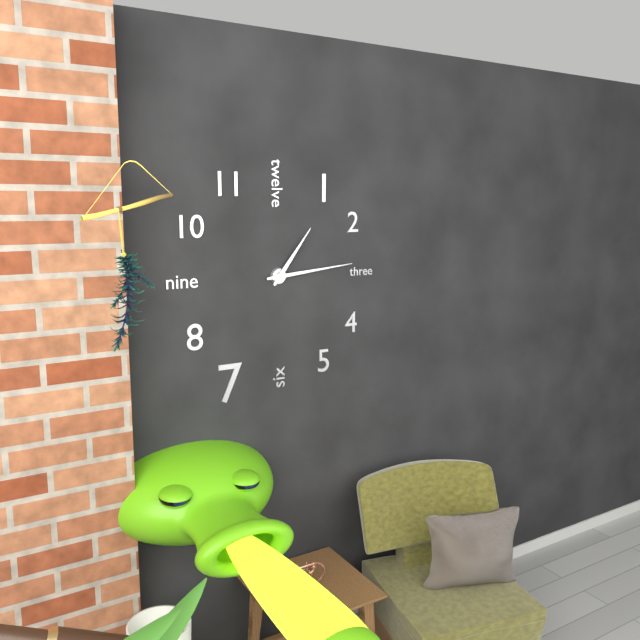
1,14
